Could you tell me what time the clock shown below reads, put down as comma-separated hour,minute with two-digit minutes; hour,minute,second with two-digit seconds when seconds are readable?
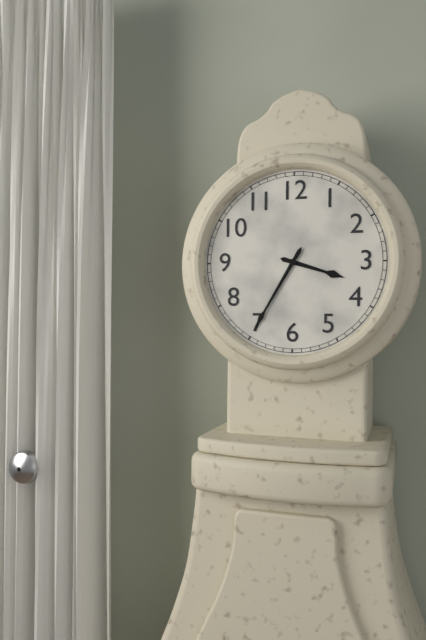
3,35
